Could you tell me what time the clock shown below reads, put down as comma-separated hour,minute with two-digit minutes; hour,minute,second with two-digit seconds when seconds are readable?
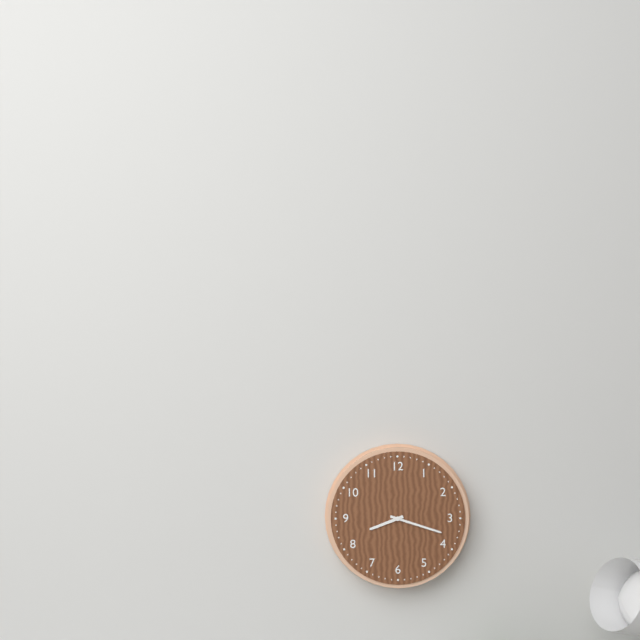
8,18
